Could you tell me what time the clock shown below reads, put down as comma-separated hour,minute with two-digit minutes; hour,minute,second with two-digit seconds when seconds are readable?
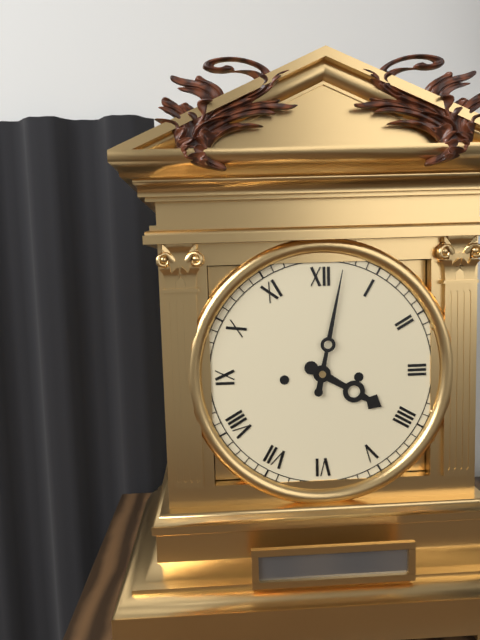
4,02
